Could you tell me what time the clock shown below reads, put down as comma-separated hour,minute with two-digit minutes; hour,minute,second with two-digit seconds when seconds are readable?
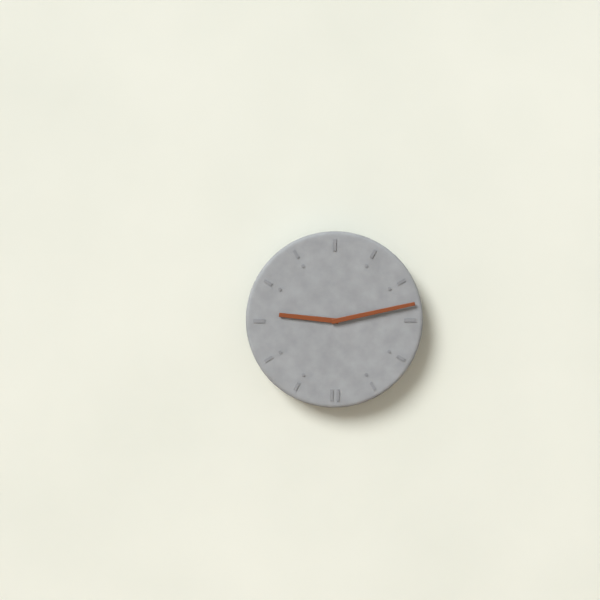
9,13
